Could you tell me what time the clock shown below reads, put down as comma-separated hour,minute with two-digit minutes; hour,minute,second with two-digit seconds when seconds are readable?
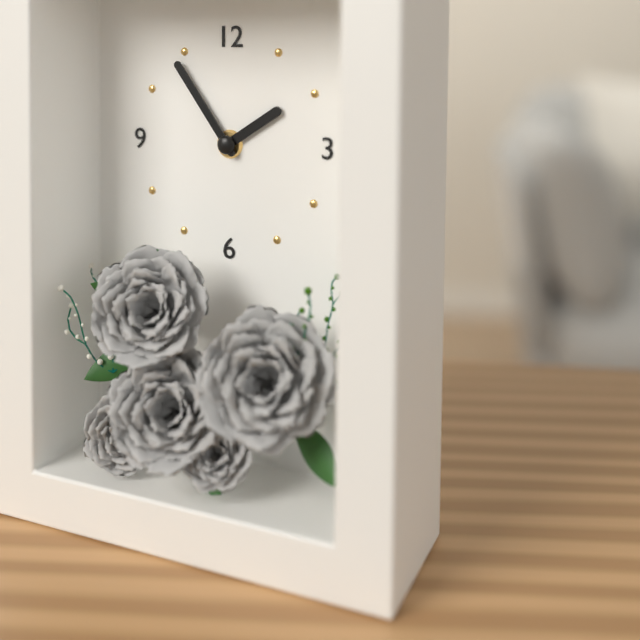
1,54
